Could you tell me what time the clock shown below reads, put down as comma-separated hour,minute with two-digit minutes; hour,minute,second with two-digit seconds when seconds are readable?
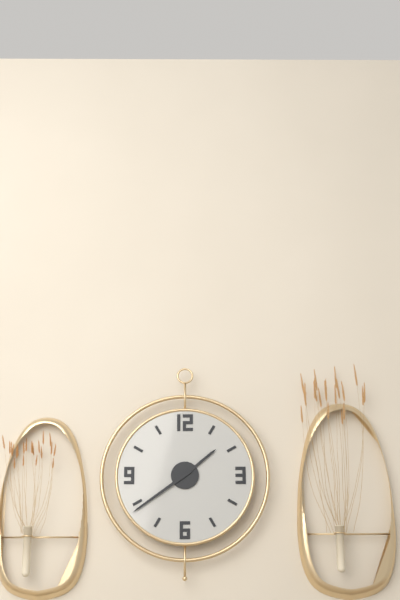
1,39
